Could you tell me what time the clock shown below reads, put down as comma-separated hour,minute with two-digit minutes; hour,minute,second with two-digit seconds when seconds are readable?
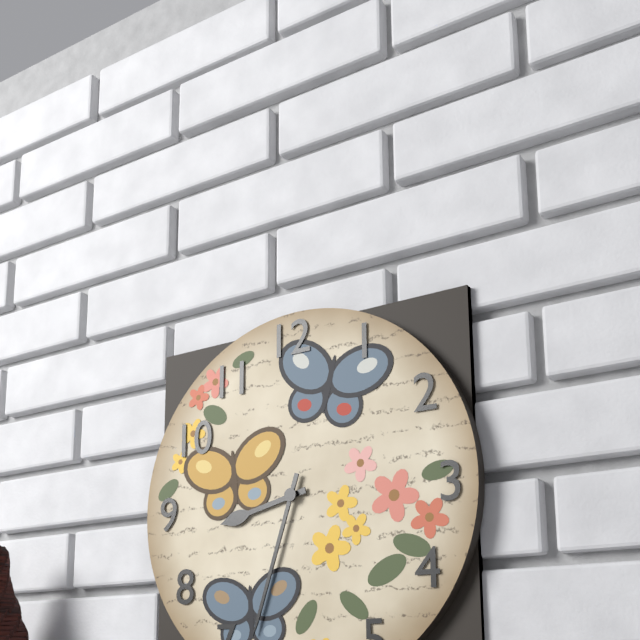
8,33
